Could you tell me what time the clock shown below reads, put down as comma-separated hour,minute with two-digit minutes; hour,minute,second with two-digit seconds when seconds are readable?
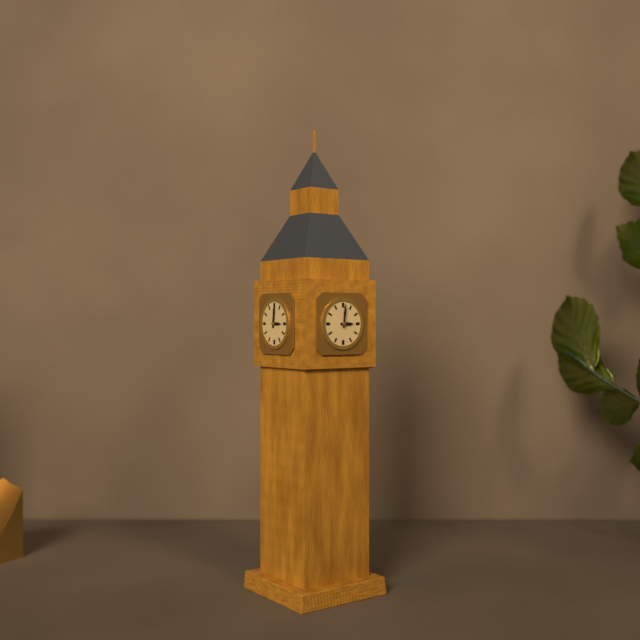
3,01
